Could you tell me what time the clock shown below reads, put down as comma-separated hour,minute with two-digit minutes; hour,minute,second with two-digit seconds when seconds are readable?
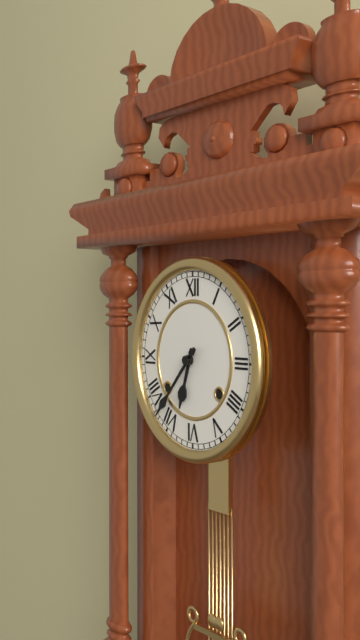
6,37
